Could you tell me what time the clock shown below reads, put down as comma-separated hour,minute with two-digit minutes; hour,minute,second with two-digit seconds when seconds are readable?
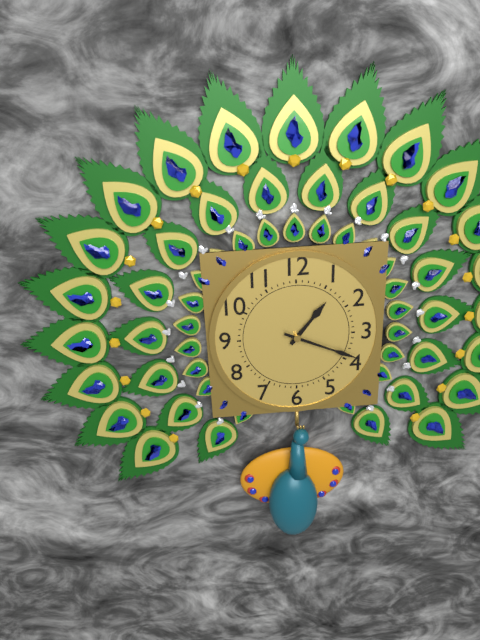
1,19
